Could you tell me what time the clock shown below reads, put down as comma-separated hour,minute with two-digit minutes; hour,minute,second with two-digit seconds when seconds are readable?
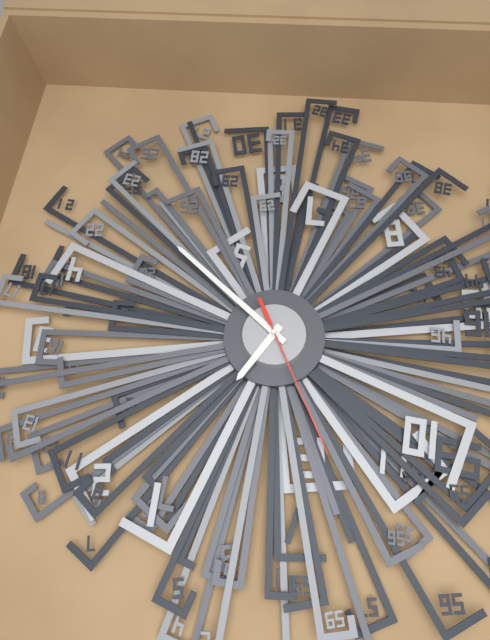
1,23,57
